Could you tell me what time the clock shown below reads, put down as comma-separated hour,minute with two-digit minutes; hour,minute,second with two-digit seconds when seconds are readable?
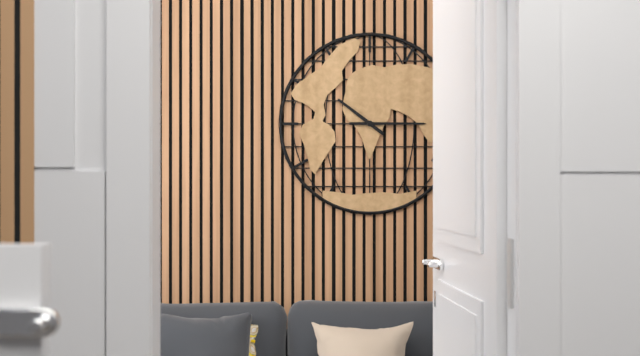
10,15
